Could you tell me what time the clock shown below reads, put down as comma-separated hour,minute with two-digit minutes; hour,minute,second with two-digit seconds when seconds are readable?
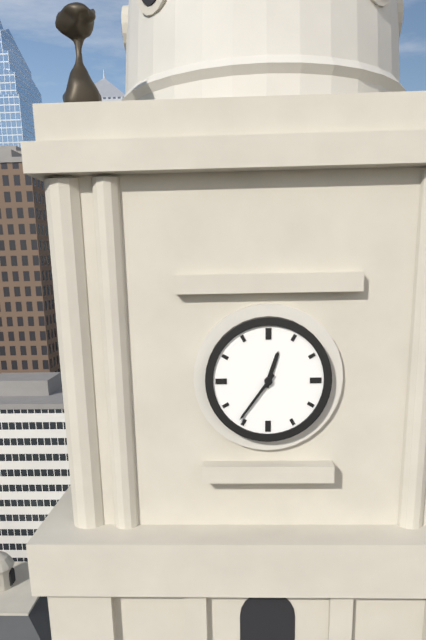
12,36
